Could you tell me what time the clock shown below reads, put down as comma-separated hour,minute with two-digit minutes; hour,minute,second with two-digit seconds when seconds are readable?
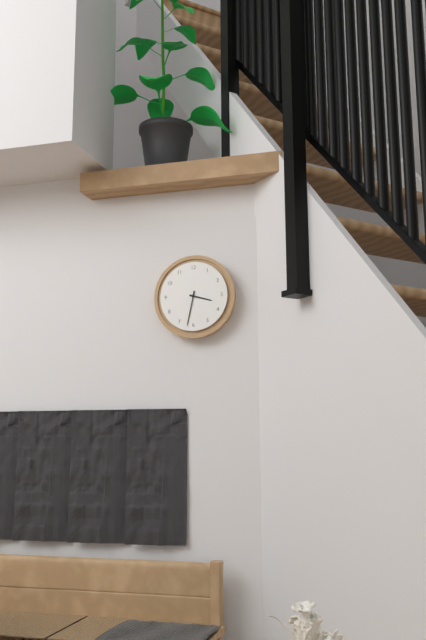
3,32
